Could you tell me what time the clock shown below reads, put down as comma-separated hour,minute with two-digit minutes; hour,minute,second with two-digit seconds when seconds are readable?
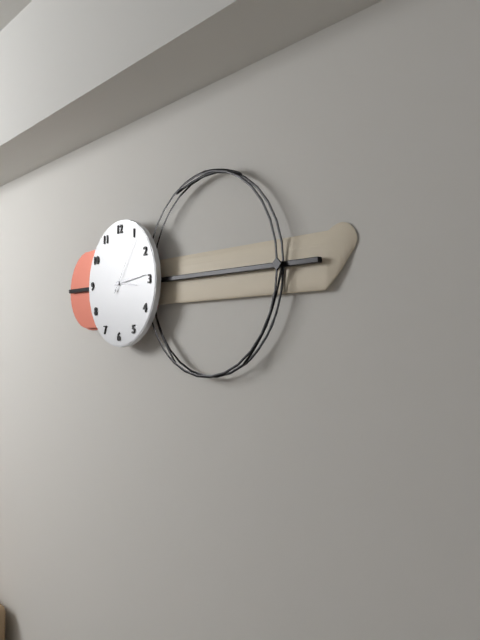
3,14,06
